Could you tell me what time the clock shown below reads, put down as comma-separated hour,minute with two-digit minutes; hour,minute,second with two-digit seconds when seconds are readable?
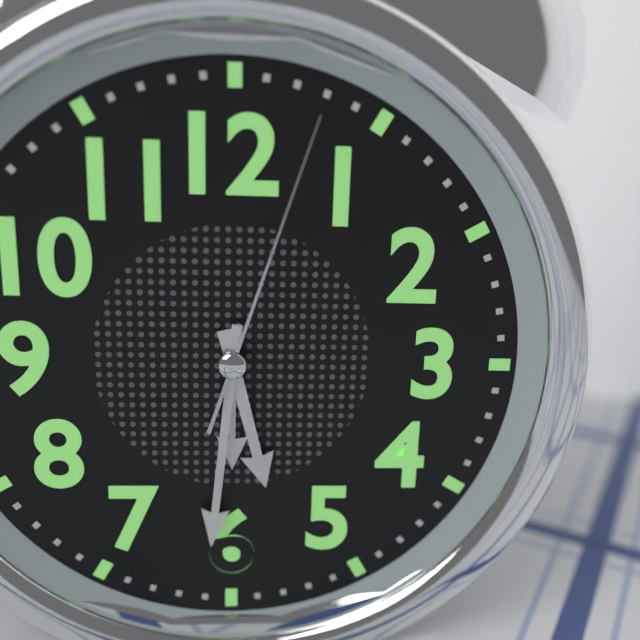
5,31,03
